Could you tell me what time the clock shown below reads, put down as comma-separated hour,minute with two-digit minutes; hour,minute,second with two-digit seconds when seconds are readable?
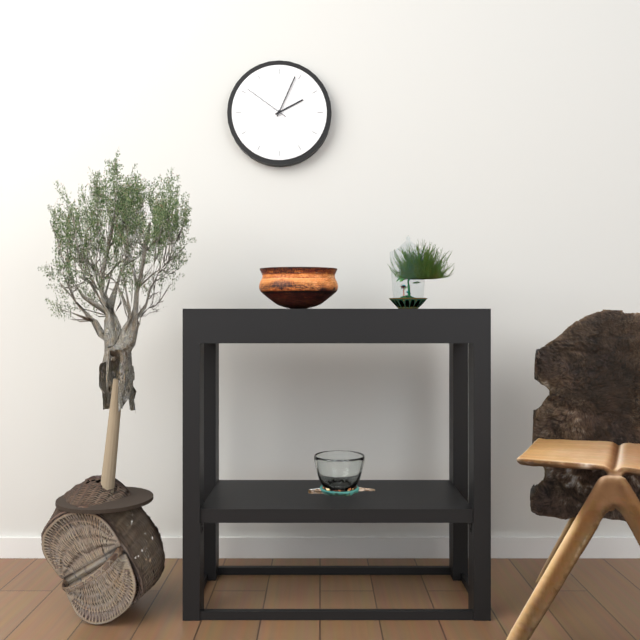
2,04,51
